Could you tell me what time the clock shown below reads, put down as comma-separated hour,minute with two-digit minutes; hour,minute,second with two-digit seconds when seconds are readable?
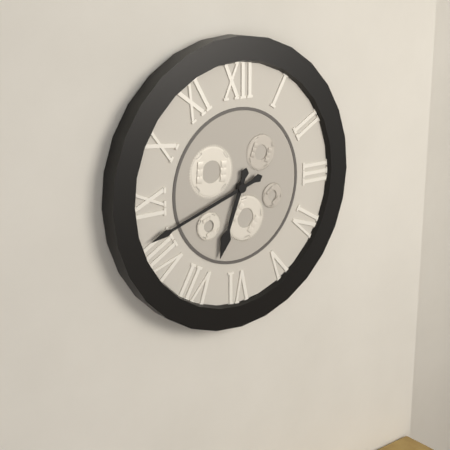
6,42
